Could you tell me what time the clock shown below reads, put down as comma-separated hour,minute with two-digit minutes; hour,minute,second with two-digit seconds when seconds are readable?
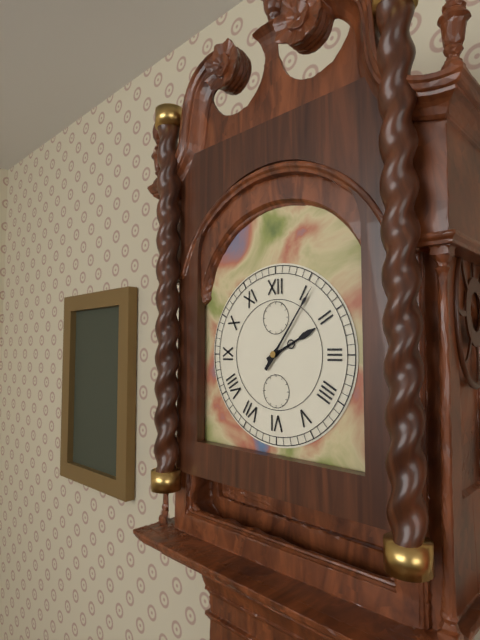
2,06
